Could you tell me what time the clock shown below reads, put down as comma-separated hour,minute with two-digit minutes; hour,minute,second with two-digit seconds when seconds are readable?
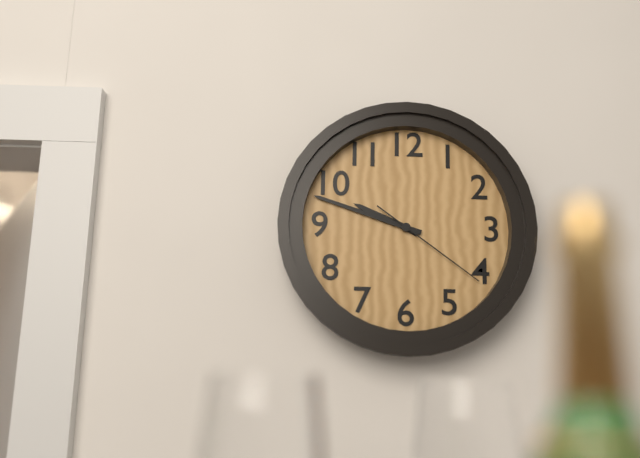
9,48,21
